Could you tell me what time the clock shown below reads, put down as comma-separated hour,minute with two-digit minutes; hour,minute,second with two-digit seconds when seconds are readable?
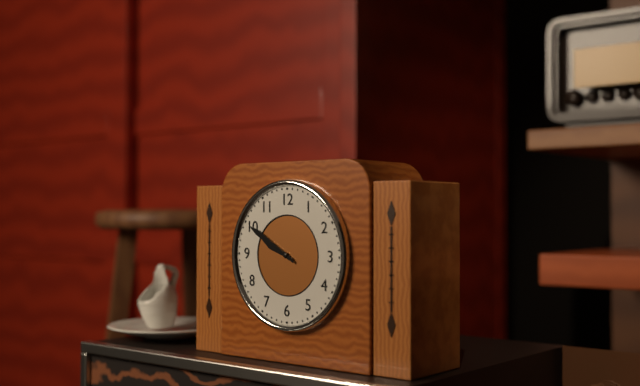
9,50
